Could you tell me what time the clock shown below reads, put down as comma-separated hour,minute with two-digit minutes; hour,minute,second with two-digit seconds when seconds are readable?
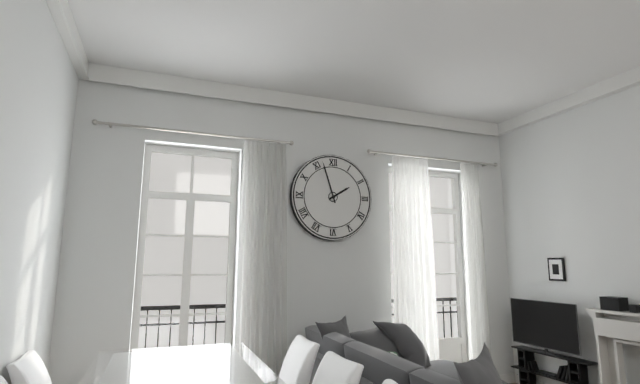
1,57
